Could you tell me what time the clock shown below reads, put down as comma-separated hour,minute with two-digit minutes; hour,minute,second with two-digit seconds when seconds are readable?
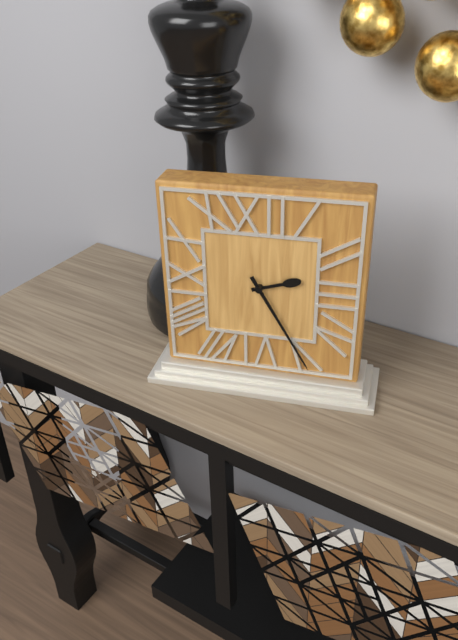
2,25
